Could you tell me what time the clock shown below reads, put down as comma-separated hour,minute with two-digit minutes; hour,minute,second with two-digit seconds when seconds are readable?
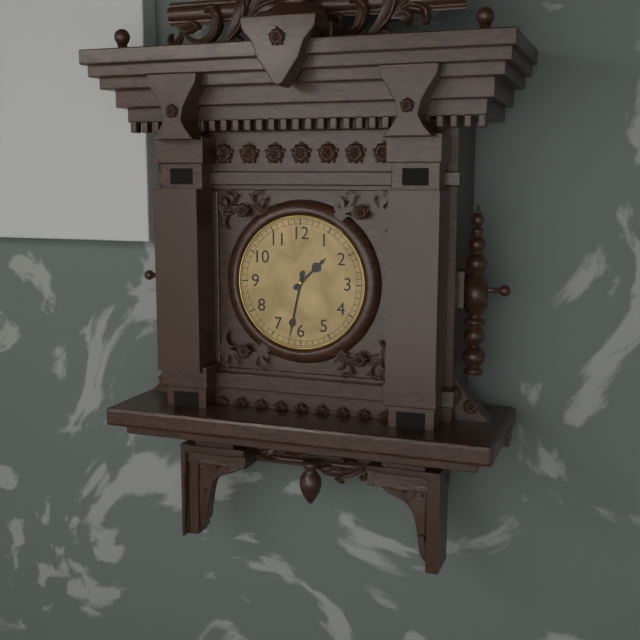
1,32
